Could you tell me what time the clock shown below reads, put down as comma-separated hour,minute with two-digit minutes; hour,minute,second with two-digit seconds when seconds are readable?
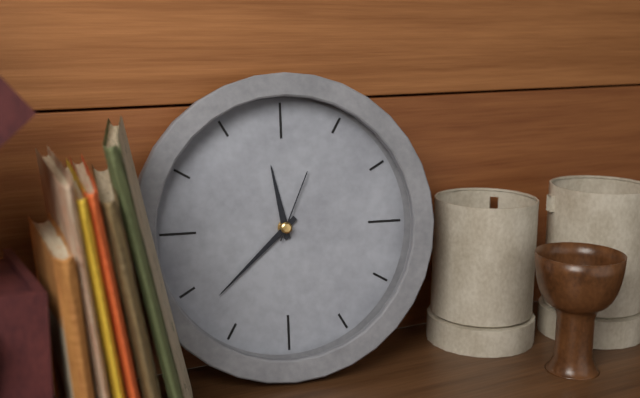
11,38,04
